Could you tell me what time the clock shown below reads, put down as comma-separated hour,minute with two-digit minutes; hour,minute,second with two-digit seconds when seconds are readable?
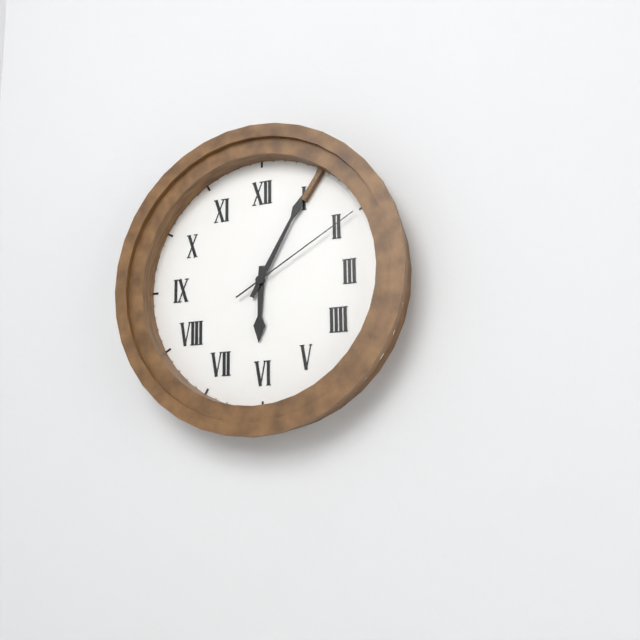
6,05,10
